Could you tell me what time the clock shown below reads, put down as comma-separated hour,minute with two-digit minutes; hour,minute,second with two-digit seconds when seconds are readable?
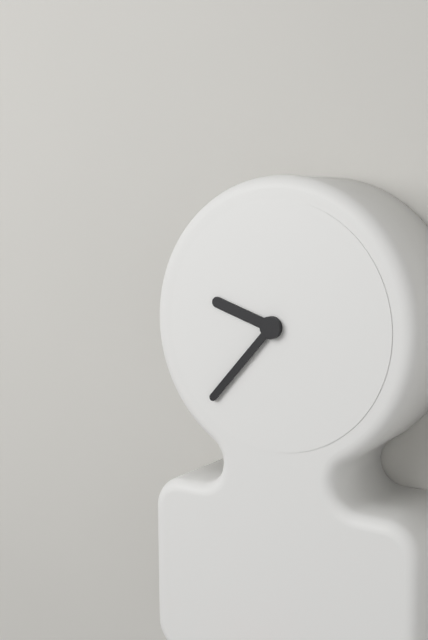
9,37
